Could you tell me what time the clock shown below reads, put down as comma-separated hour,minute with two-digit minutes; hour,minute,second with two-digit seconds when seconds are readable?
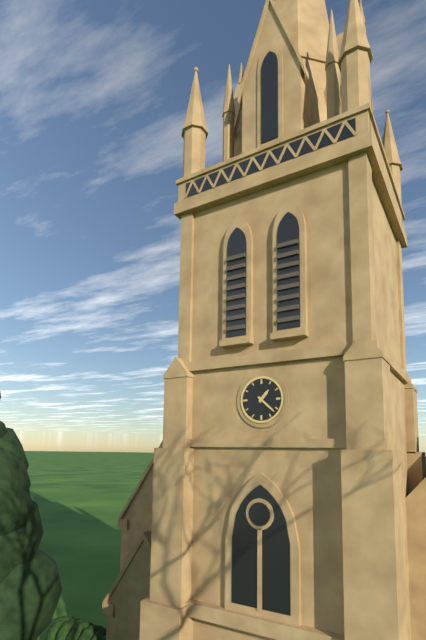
1,22
